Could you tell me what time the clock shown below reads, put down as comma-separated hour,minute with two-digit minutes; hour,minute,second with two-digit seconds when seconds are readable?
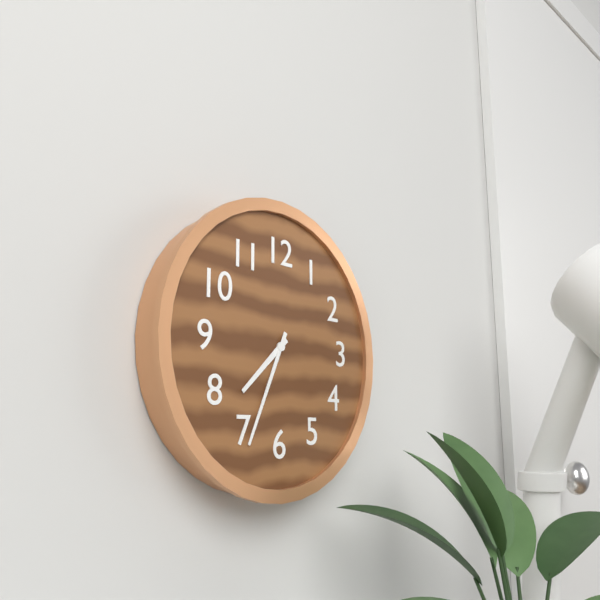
7,34
